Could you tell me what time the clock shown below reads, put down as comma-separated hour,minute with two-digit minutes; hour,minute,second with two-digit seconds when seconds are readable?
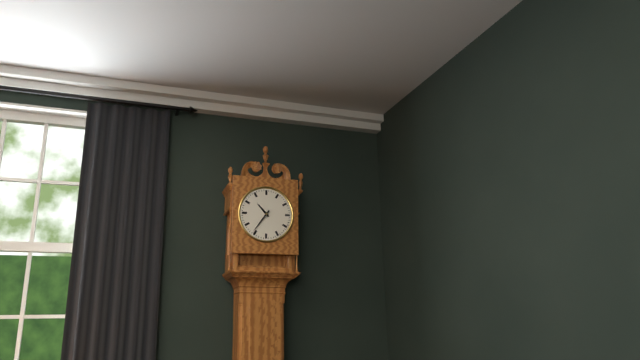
10,36
